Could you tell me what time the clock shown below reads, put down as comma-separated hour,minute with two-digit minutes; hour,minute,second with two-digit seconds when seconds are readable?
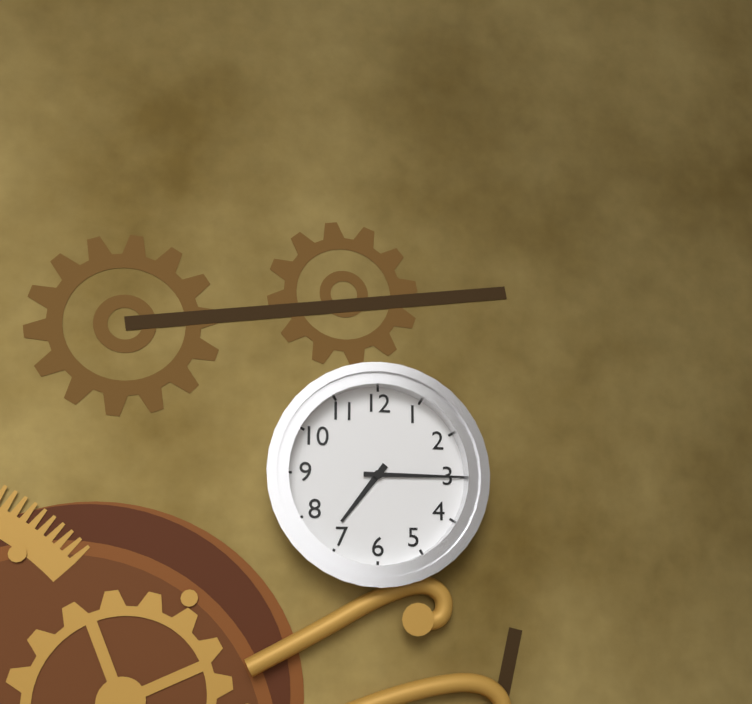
7,15
